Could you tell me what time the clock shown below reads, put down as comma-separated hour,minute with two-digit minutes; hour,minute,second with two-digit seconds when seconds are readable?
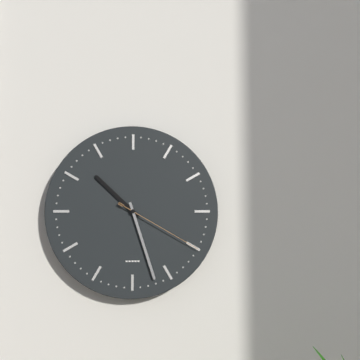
10,27,20
